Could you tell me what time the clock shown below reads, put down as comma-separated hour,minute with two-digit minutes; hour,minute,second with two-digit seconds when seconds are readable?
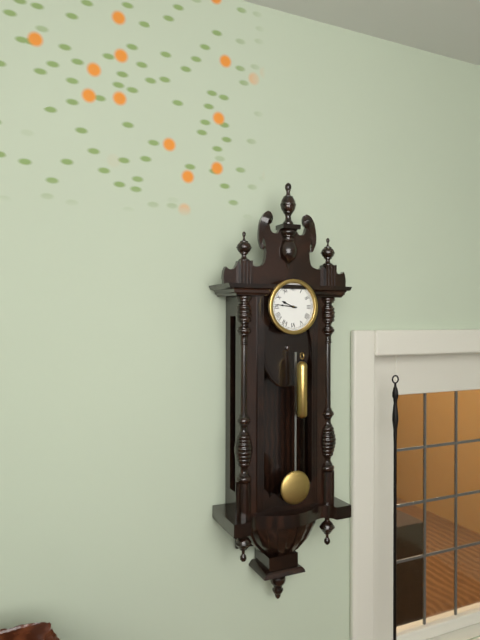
9,46
